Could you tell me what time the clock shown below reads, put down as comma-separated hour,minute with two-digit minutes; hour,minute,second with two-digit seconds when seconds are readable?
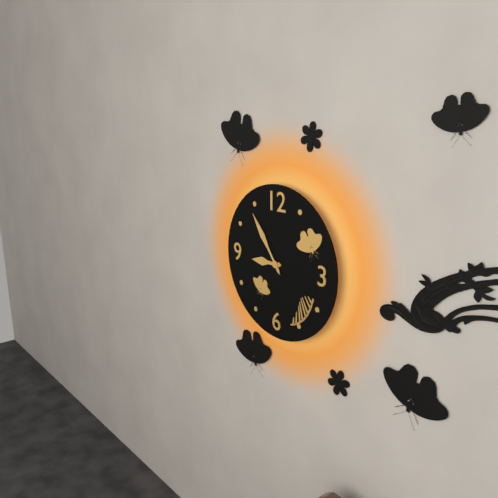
8,54
